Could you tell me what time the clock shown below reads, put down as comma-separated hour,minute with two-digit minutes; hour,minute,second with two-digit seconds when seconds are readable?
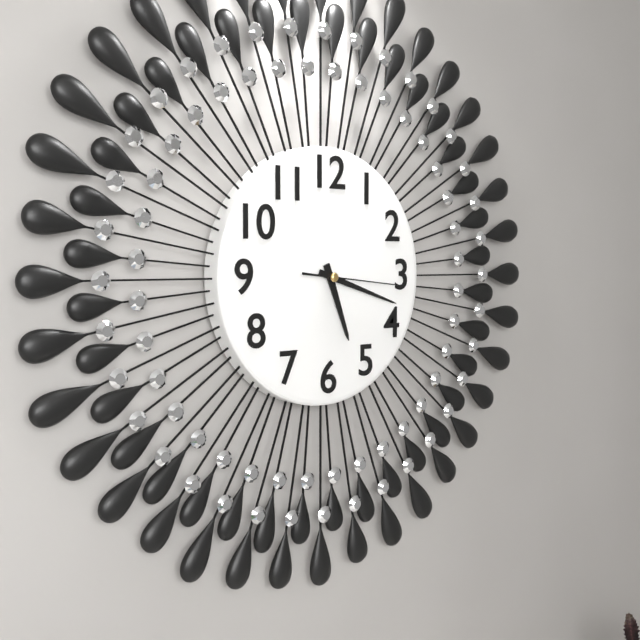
5,18,16
